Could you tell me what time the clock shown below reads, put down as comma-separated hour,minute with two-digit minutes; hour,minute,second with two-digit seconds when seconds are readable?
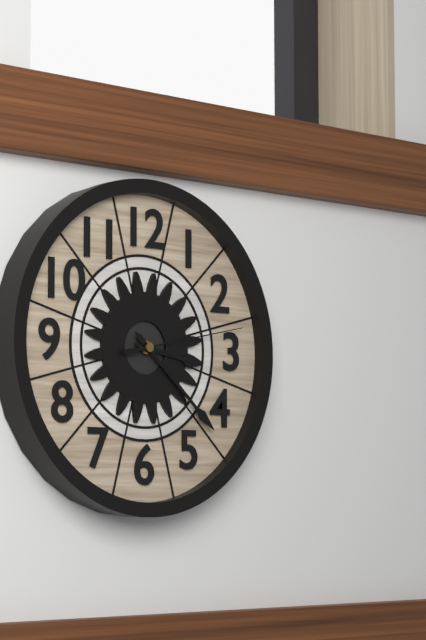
3,22,13
